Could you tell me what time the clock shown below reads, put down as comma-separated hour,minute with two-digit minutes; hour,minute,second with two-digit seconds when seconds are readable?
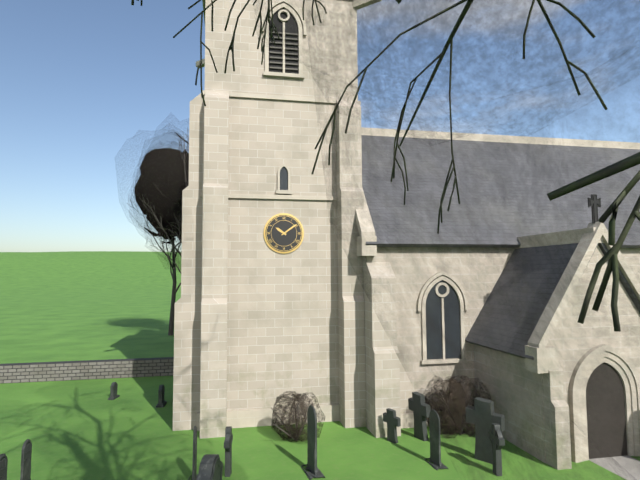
10,09
